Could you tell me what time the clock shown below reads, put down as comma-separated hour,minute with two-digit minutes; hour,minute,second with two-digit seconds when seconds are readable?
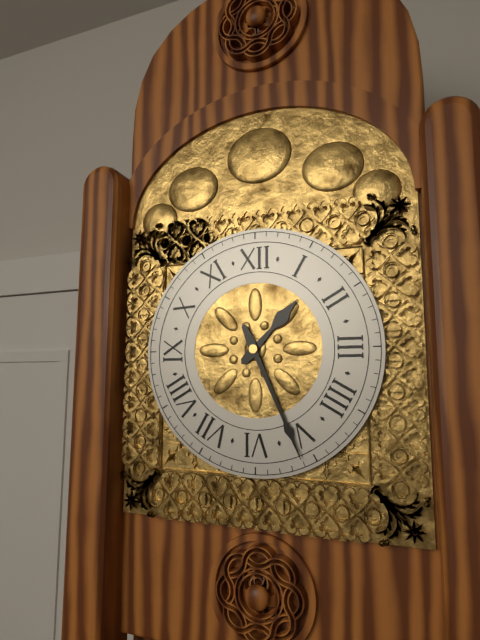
1,26
